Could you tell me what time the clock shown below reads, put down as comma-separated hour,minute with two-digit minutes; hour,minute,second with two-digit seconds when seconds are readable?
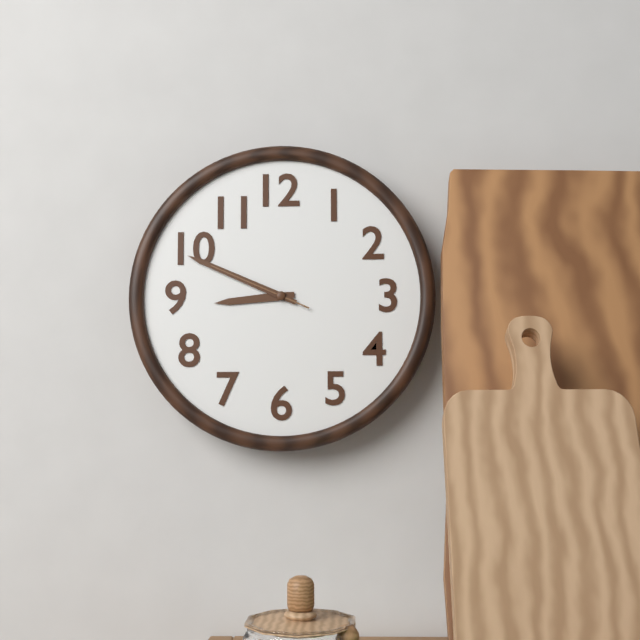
8,49,49
